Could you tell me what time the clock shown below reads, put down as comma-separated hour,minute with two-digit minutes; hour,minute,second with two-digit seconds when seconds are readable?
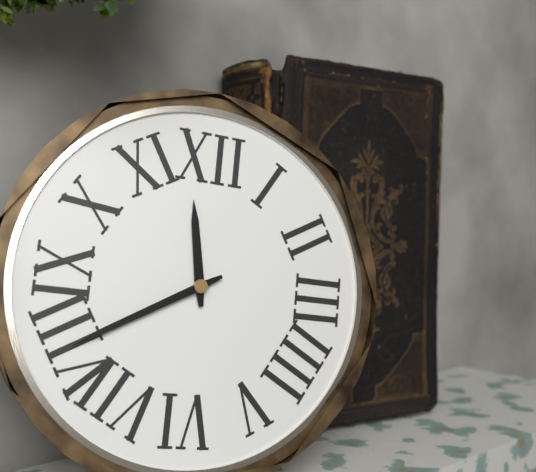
11,40
